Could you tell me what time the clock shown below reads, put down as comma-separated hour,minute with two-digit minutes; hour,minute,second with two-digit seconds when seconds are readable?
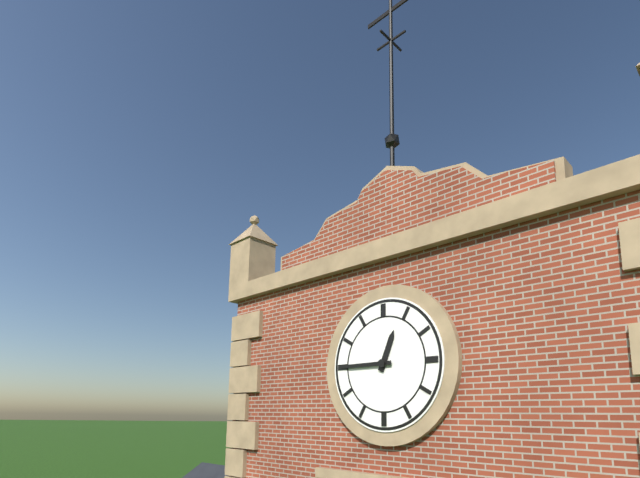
12,45
